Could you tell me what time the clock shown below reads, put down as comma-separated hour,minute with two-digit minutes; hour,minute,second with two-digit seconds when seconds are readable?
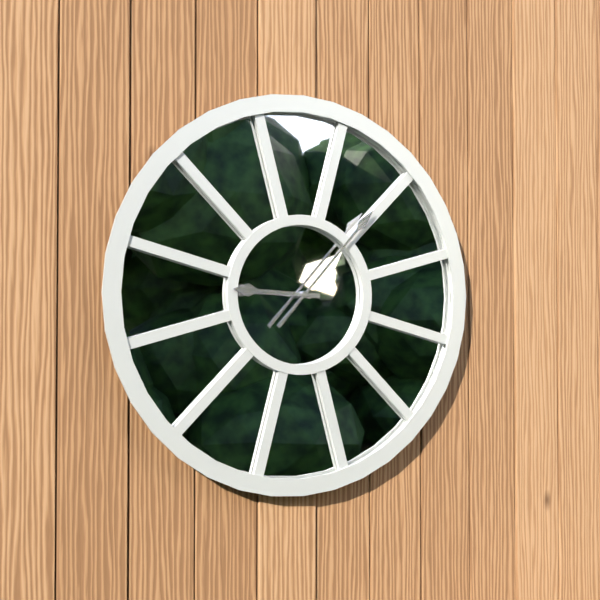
9,07
